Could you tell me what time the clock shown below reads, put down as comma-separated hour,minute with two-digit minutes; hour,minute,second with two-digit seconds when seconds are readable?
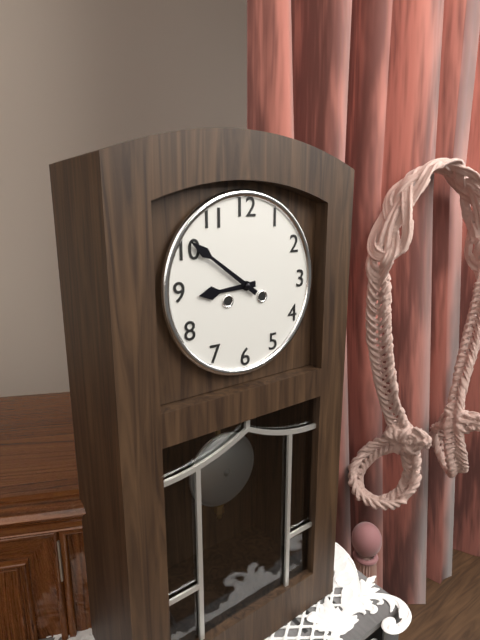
8,51
